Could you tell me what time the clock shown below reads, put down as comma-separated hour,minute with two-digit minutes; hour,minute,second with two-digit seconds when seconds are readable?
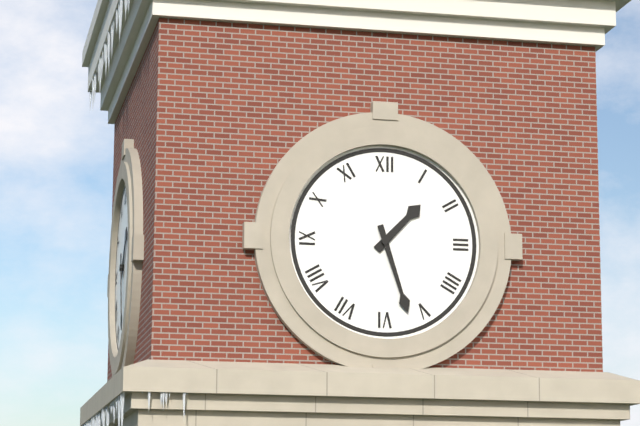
1,27
